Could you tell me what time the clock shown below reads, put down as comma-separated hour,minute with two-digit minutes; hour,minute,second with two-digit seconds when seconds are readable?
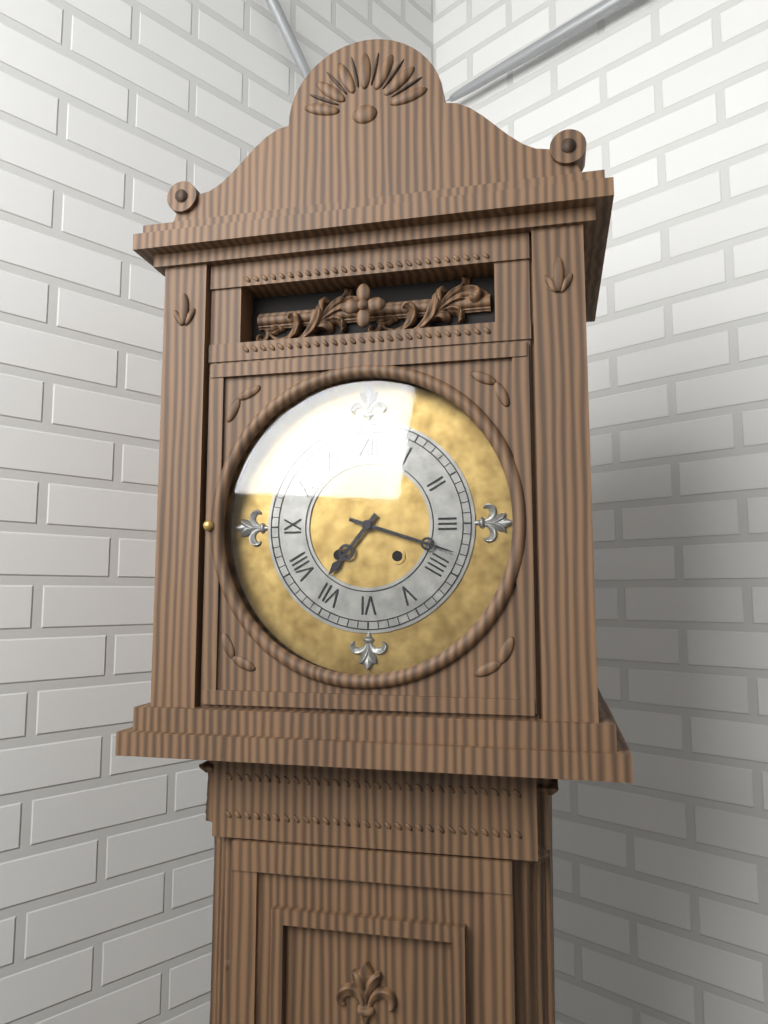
7,18
